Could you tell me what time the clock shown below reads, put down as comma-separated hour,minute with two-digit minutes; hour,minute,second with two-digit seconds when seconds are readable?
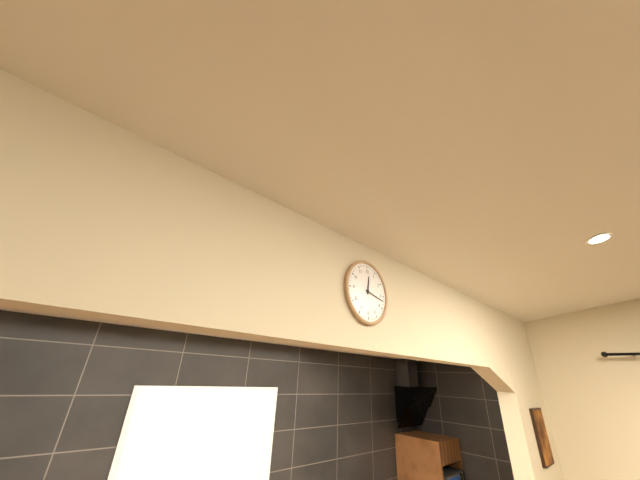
12,17
